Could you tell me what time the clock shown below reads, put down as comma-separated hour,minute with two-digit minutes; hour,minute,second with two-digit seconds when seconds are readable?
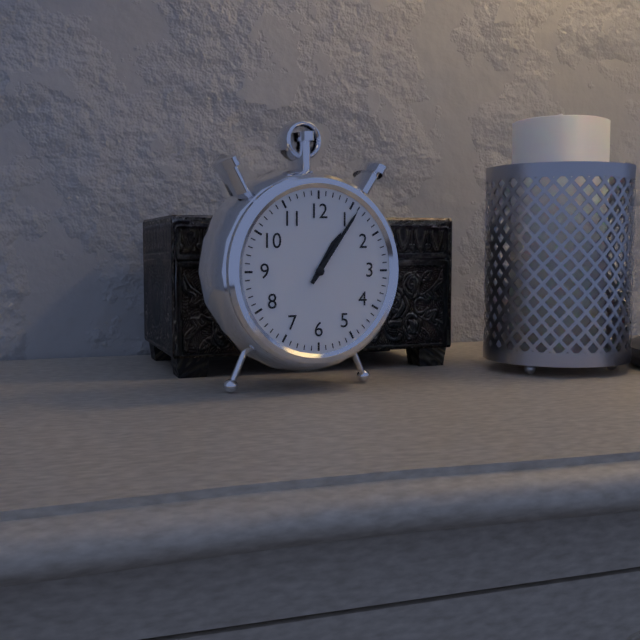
1,06
